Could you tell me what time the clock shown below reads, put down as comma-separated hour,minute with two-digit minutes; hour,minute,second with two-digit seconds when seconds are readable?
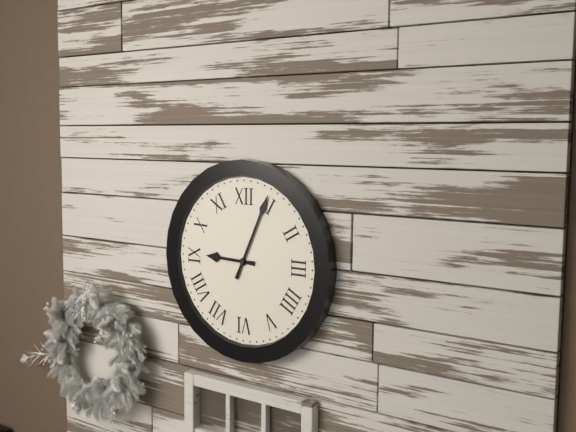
9,04
